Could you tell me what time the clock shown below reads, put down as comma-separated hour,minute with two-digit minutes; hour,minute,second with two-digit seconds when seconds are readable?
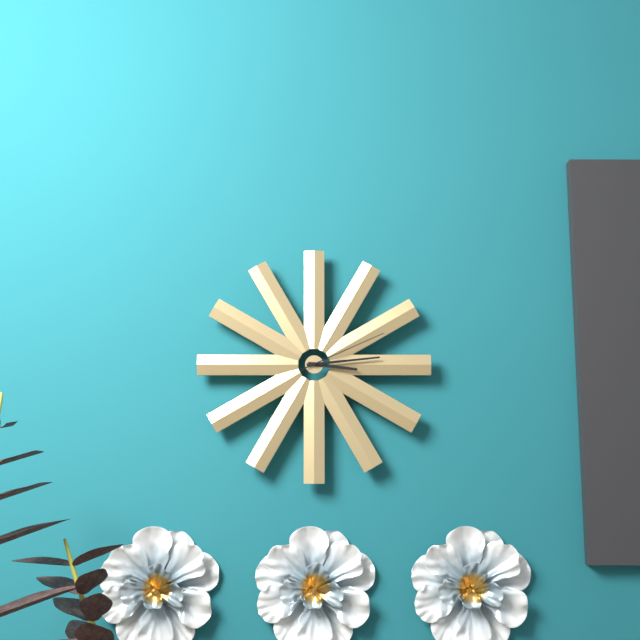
3,14,11
